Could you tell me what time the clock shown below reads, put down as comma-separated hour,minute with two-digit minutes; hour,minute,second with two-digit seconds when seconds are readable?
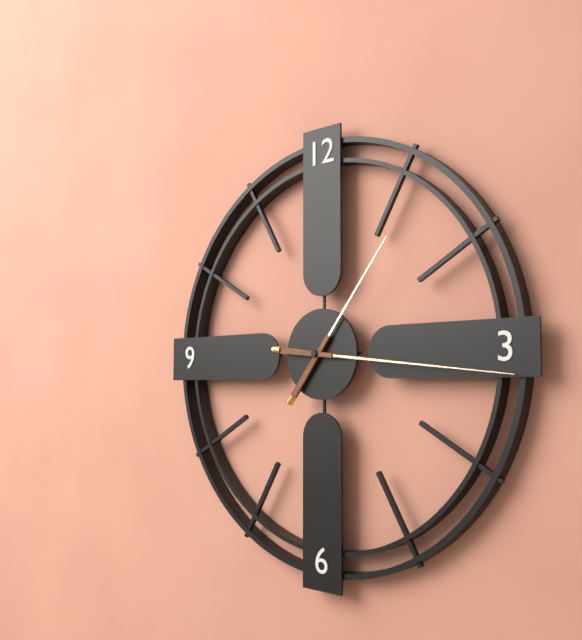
1,16
